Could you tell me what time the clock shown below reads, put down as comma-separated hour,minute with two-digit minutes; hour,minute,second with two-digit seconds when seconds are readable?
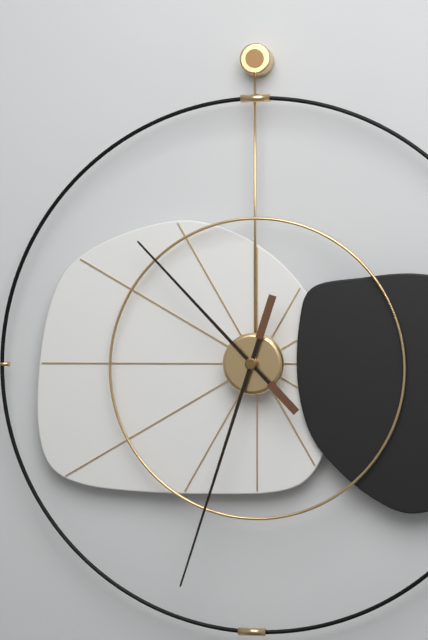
10,33
